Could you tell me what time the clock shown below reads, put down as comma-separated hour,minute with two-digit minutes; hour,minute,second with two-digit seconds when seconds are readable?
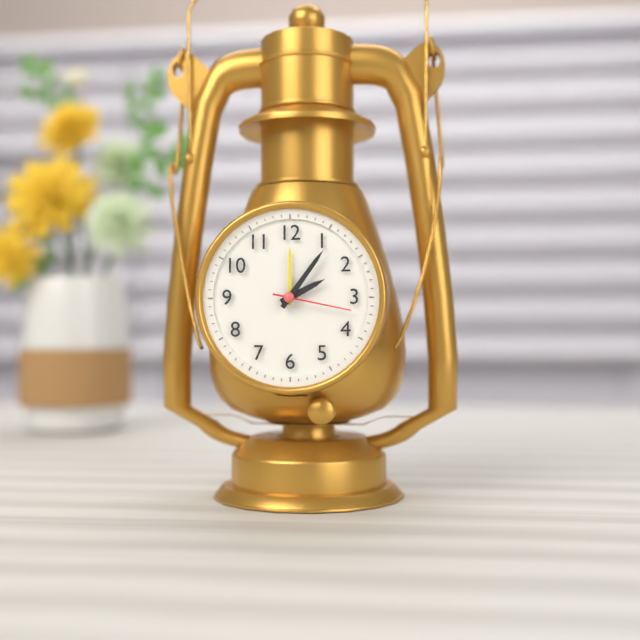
2,06,17
